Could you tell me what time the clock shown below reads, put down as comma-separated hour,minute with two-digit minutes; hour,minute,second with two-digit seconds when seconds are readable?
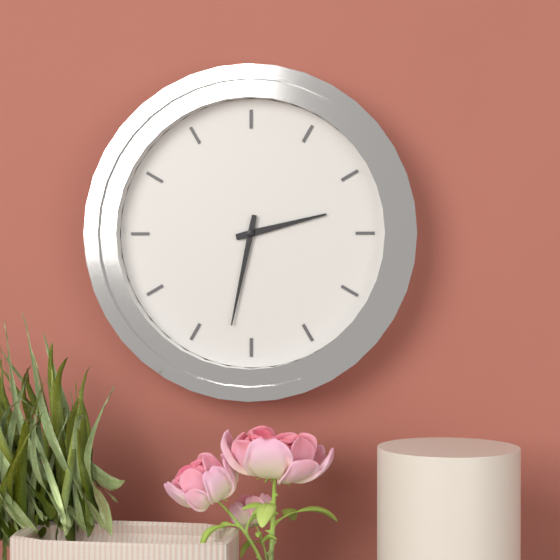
2,32
